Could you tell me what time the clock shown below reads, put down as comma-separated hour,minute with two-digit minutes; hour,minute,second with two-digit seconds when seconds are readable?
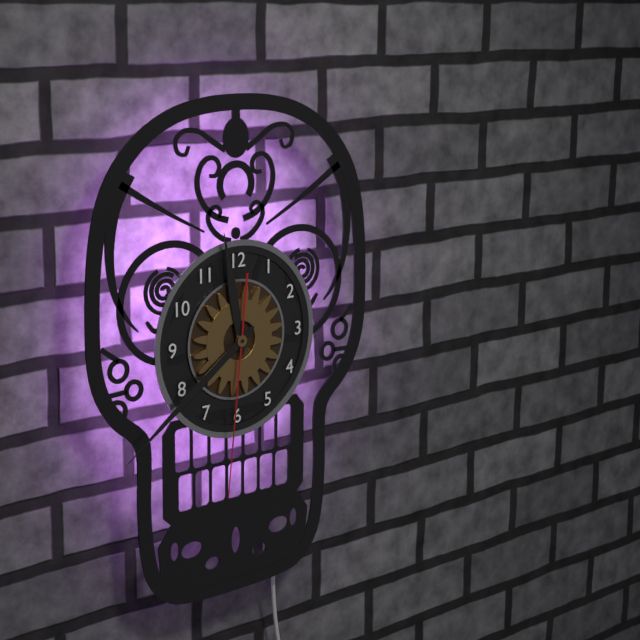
11,39,31
